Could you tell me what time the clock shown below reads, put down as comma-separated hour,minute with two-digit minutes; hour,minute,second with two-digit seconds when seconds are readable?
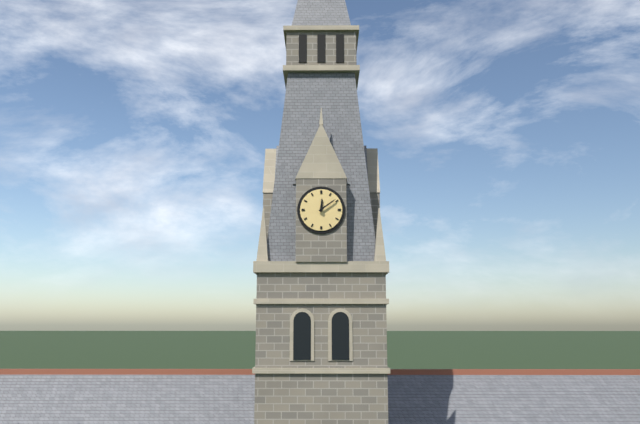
12,09
